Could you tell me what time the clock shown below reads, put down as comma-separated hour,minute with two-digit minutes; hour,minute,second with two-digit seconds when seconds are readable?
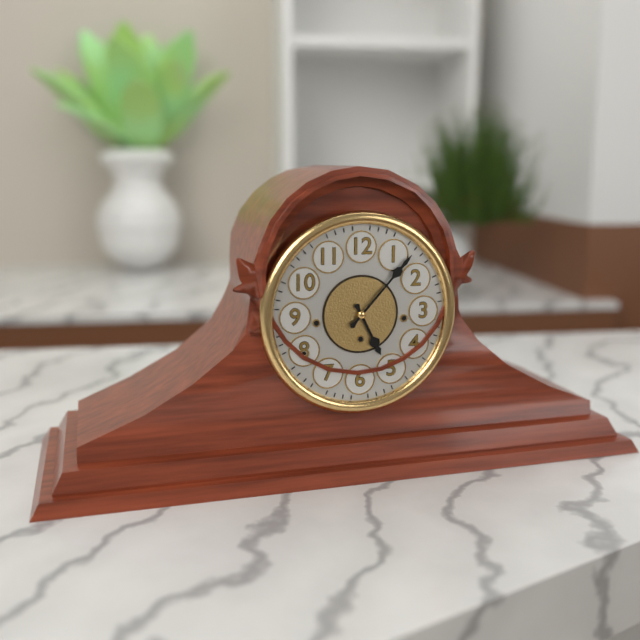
5,07
